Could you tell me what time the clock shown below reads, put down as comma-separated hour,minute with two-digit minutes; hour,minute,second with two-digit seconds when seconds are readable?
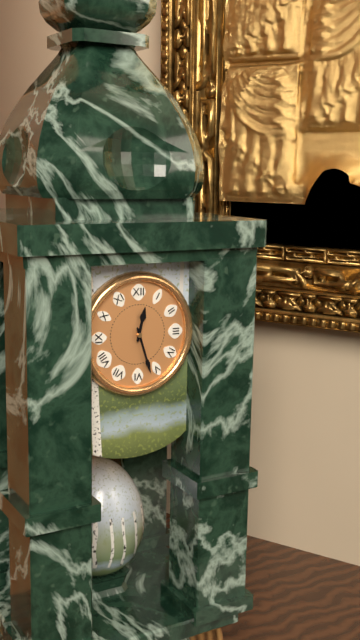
12,27
